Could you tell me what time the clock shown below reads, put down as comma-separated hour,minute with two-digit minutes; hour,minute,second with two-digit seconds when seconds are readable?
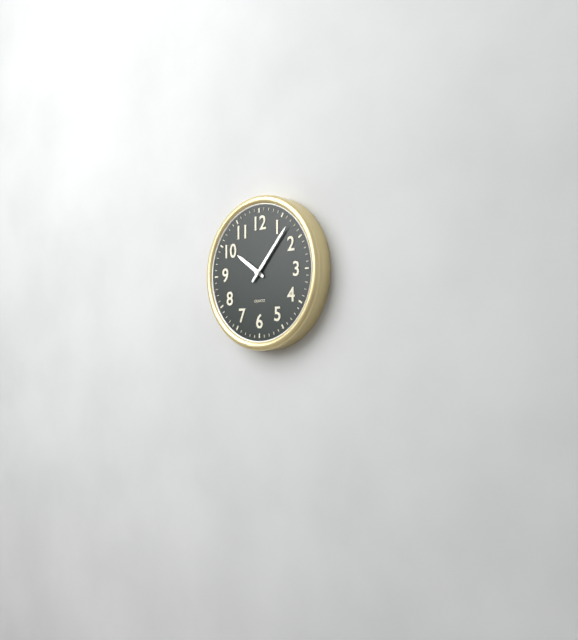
10,07
